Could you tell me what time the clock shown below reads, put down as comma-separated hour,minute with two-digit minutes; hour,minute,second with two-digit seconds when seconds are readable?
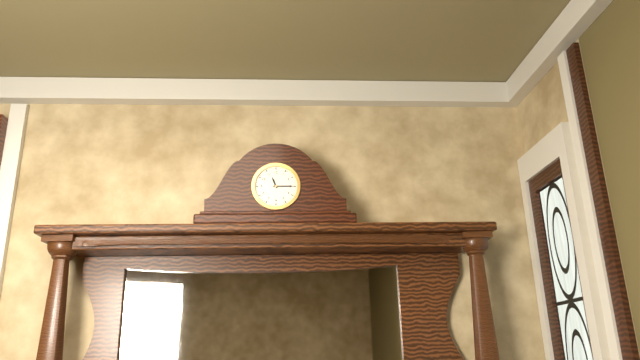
11,15
